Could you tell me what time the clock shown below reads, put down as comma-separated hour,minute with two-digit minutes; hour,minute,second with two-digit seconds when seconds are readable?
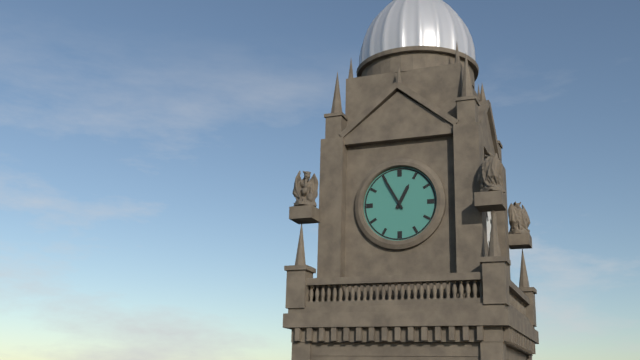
12,55
